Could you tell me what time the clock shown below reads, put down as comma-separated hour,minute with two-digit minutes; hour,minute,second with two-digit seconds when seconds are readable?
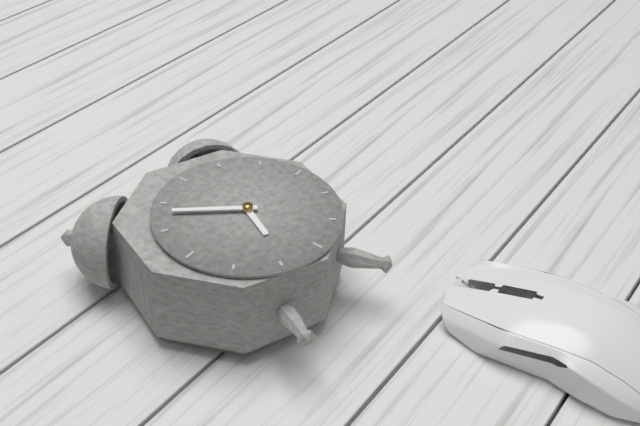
6,53
